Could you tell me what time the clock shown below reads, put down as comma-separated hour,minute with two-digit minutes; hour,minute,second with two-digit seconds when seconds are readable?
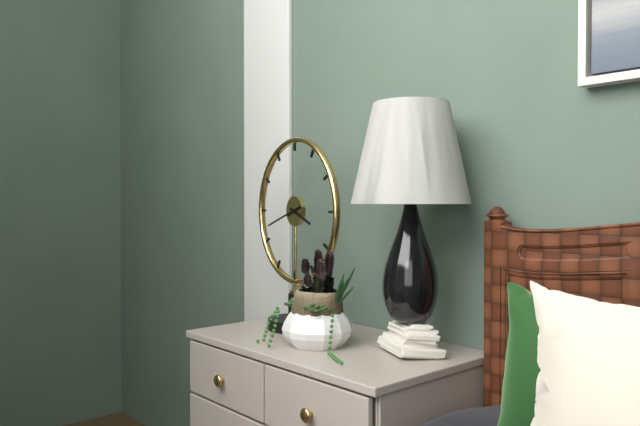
3,42
